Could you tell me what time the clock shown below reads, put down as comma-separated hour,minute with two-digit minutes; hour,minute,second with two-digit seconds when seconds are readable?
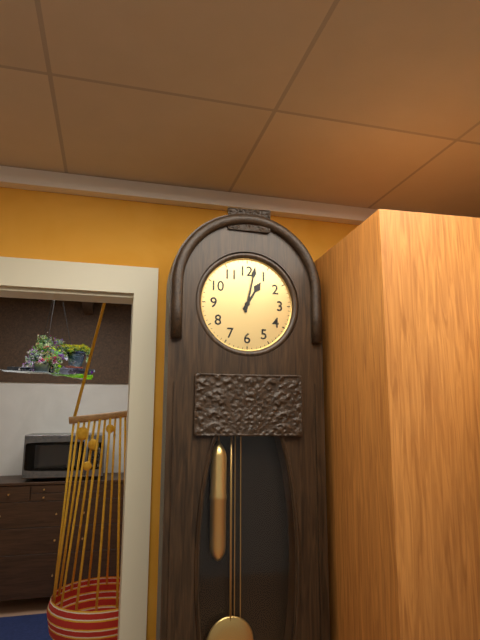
1,02
